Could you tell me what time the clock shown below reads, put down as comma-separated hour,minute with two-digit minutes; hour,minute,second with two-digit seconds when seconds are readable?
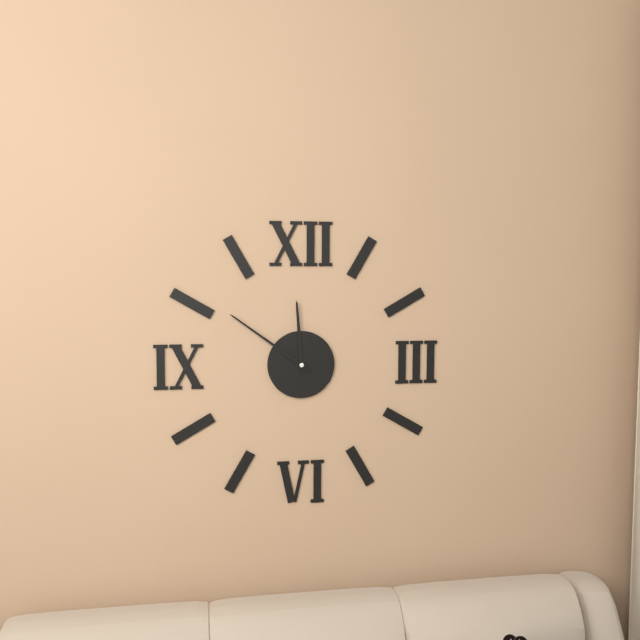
11,51
